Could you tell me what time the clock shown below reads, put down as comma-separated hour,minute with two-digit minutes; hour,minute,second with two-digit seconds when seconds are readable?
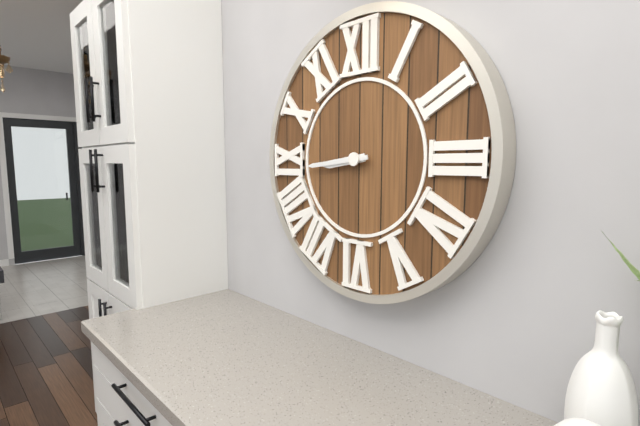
8,44
